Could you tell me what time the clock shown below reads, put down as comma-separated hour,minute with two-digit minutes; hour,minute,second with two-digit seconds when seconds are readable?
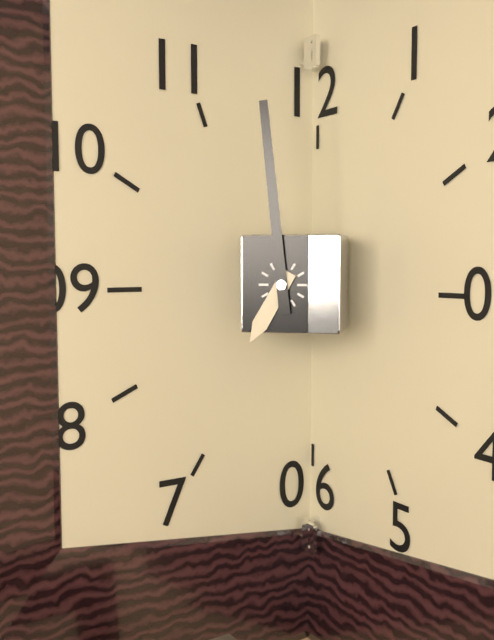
6,59
